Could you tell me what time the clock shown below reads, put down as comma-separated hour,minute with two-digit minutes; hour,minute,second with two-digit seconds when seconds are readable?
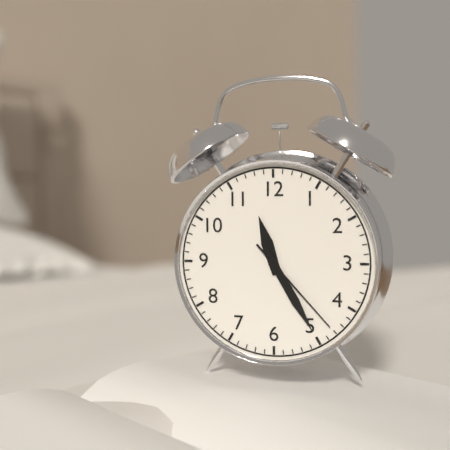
11,25,23
